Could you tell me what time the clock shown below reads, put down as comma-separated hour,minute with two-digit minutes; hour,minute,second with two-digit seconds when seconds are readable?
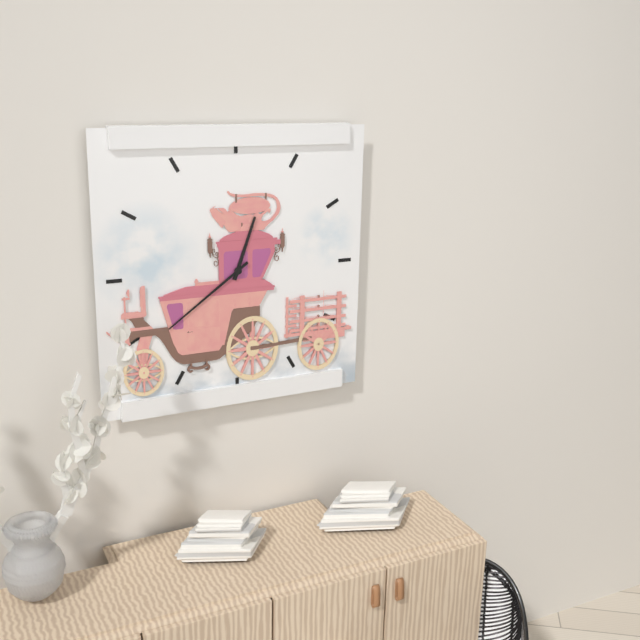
12,39
